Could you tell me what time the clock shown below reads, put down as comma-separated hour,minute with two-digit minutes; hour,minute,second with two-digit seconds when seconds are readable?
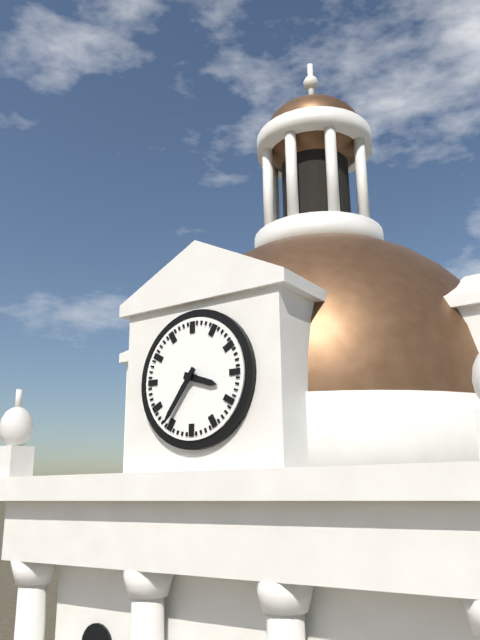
3,36
